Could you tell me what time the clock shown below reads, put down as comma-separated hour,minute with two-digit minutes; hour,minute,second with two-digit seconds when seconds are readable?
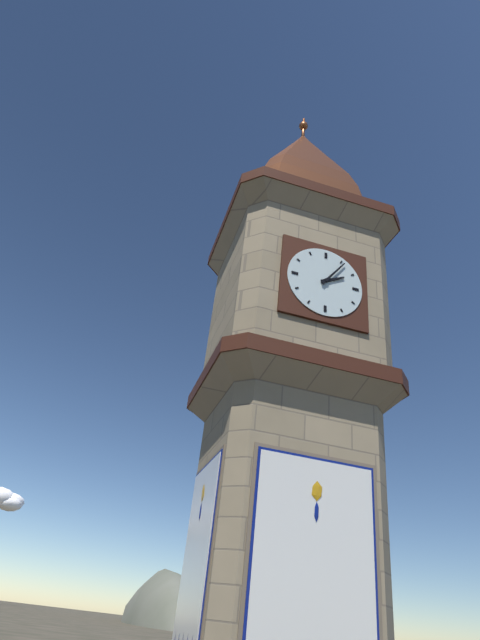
2,06
